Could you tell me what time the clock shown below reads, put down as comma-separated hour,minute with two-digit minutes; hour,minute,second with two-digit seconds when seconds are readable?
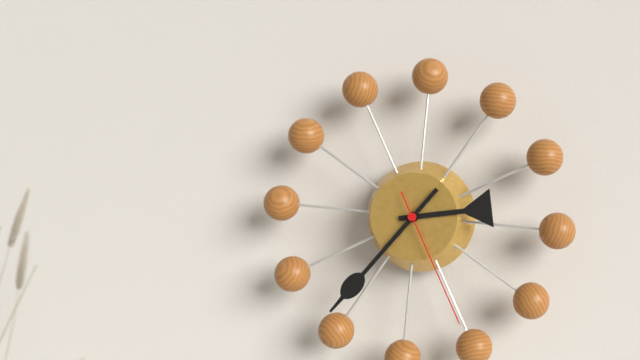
2,36,25
